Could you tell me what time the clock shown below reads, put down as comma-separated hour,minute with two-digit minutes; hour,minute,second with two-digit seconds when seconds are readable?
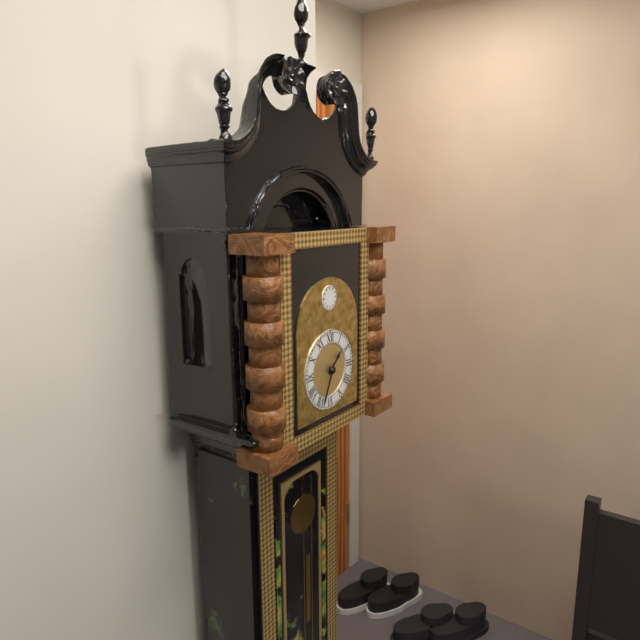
1,34
